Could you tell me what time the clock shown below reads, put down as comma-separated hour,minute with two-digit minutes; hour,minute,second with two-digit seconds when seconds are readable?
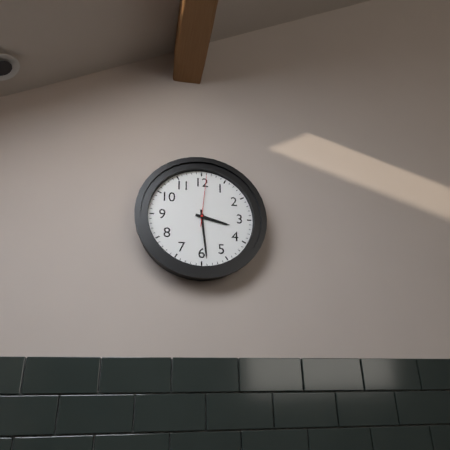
3,29,01
